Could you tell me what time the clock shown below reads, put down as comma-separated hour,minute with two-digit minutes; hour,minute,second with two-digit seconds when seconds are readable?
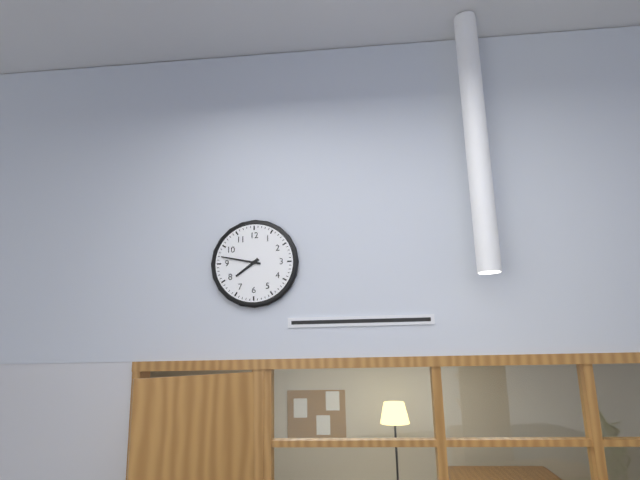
7,47
